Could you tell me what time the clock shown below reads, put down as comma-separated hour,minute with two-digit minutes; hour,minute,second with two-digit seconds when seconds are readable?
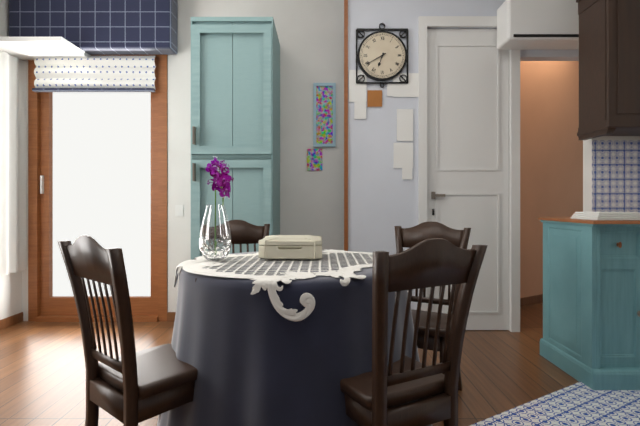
6,40
